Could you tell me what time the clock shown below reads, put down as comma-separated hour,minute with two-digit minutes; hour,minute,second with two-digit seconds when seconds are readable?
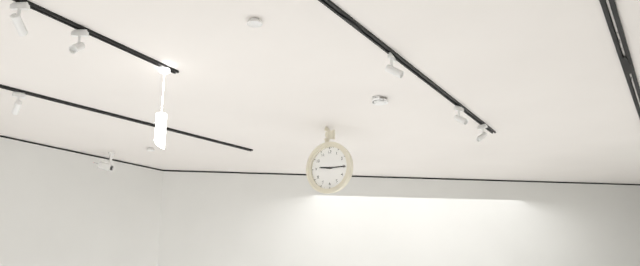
9,15
